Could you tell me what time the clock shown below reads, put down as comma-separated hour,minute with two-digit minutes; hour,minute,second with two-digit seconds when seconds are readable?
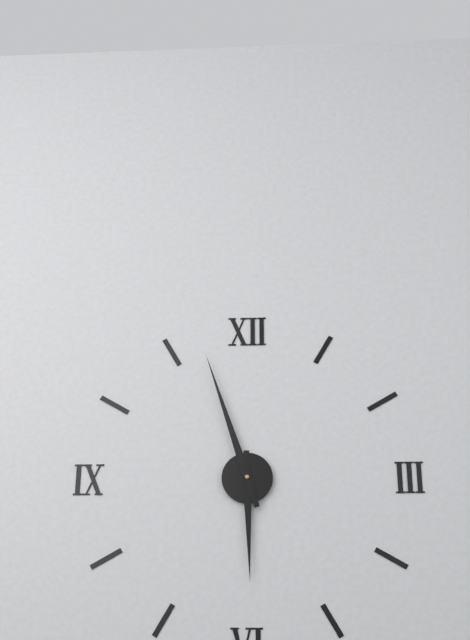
5,57
